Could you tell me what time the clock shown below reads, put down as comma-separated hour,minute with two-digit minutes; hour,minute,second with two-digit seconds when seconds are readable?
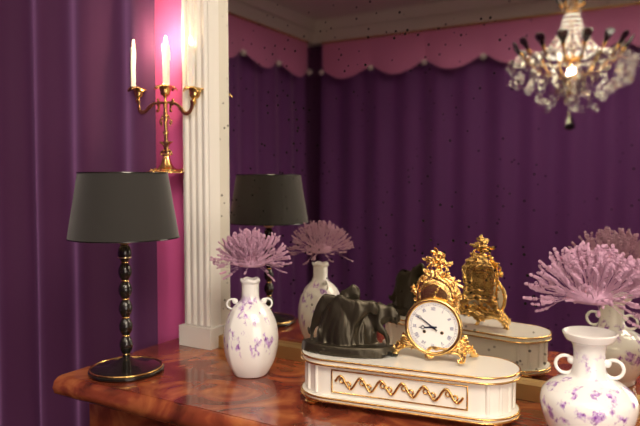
8,51
